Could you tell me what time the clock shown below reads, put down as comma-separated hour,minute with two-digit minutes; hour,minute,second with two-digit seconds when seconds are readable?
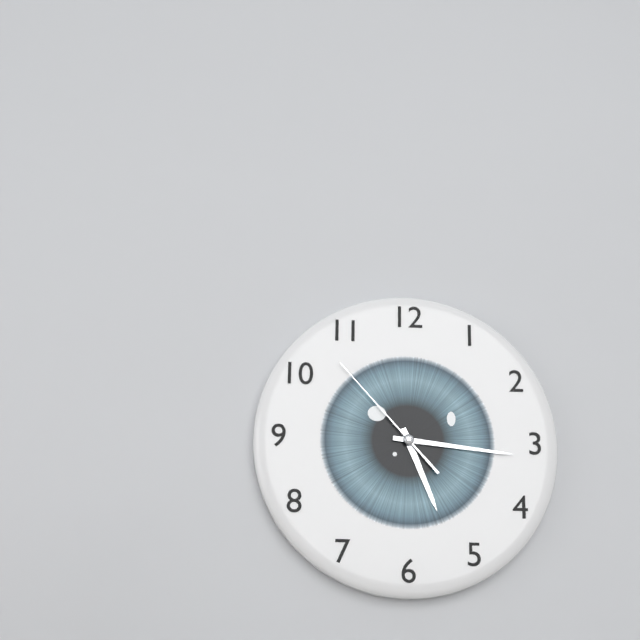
5,16,53
